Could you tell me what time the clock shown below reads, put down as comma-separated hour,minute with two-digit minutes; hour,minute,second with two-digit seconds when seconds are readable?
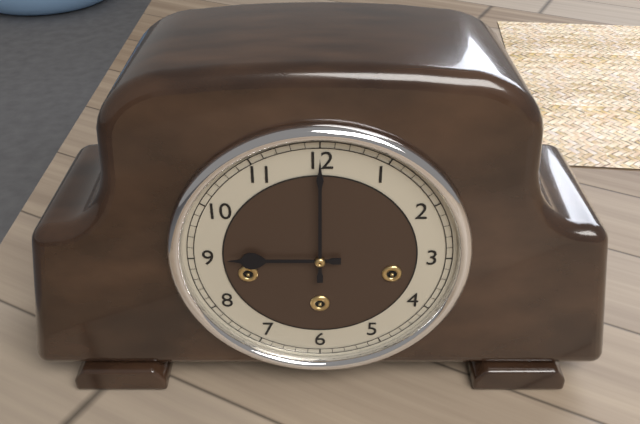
9,00
